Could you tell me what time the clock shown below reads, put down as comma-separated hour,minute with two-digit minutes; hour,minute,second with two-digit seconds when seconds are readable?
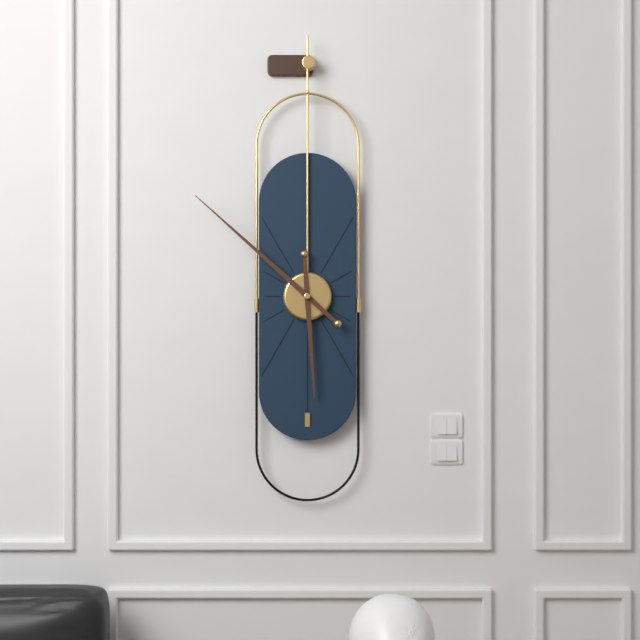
5,52
